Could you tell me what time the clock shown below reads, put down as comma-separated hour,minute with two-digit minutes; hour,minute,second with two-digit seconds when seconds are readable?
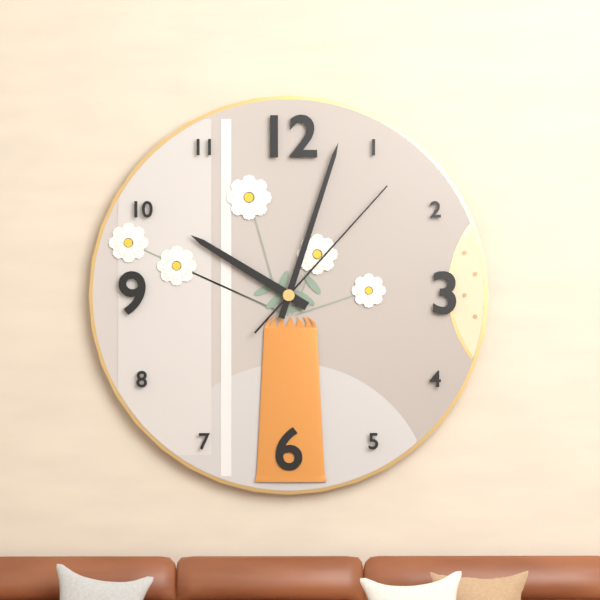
10,03,07
